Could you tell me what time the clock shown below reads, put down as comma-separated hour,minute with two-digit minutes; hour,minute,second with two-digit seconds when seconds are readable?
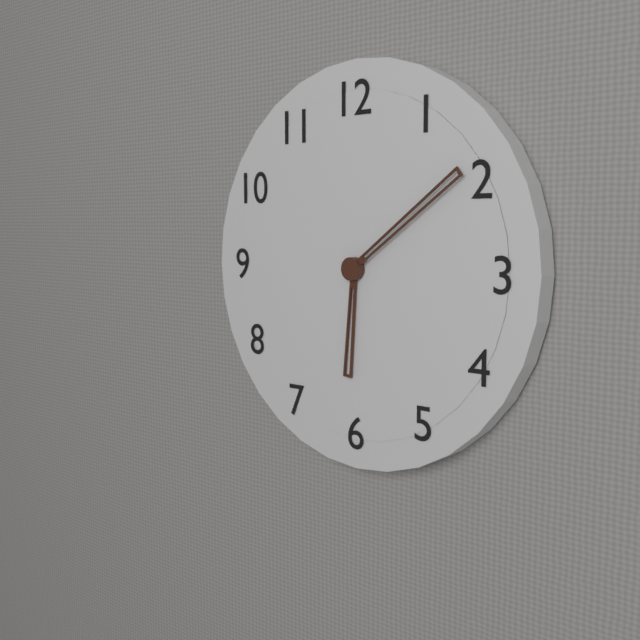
6,09
